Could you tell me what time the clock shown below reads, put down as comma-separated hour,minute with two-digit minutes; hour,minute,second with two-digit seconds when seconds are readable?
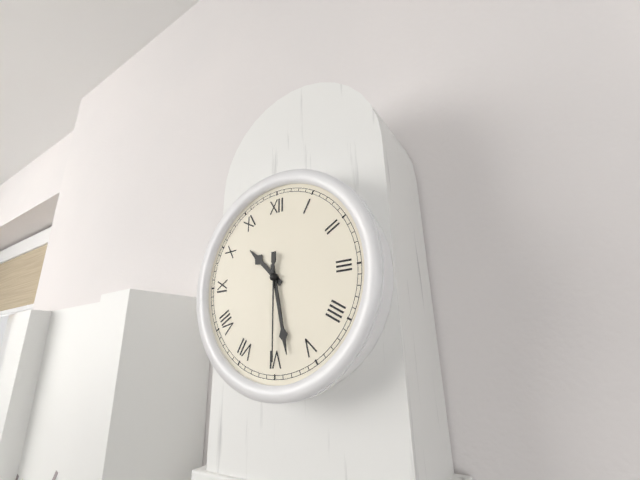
10,28,30
